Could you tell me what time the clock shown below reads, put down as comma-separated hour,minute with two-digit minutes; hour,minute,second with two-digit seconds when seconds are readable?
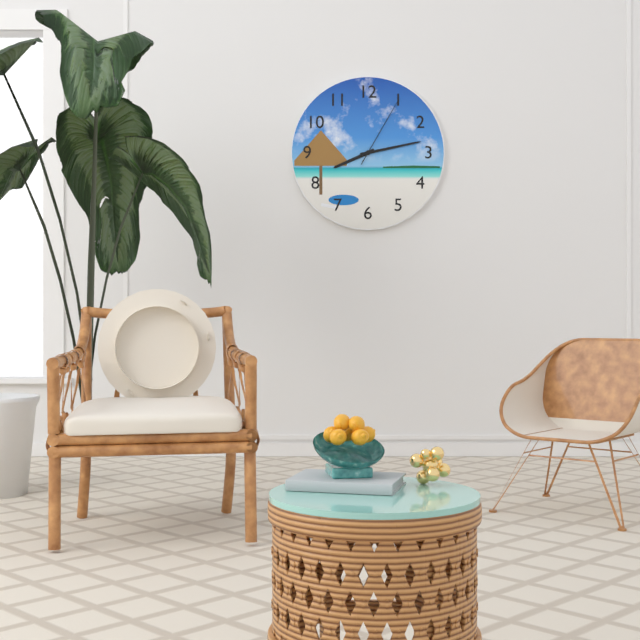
8,13,05
